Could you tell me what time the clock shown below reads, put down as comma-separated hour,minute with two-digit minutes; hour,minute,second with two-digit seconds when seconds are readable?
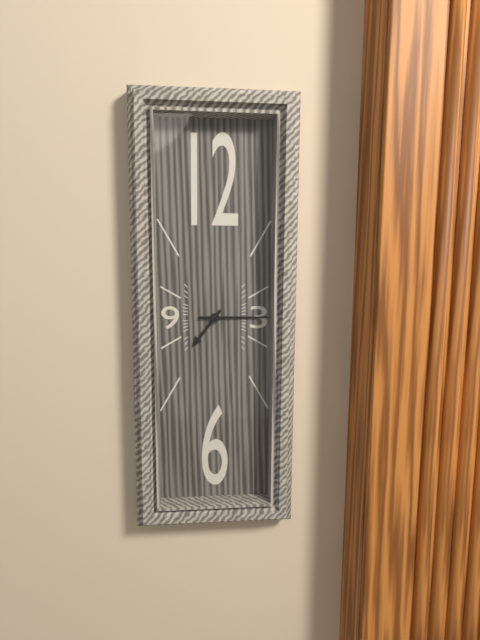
7,15
